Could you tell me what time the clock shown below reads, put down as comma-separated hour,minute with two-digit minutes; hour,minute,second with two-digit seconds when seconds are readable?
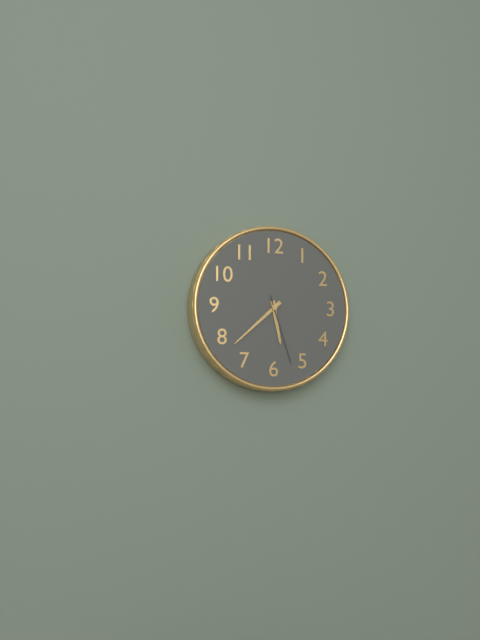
5,38,27
